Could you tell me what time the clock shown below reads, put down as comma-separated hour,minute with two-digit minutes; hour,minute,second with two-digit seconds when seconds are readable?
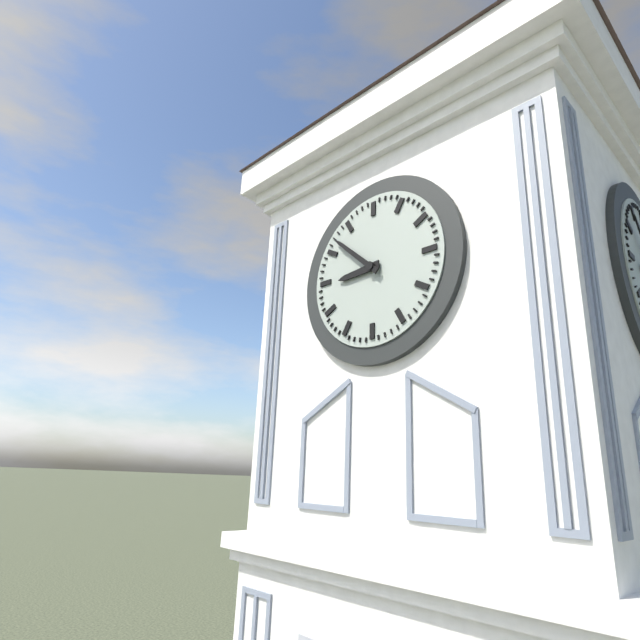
8,52
